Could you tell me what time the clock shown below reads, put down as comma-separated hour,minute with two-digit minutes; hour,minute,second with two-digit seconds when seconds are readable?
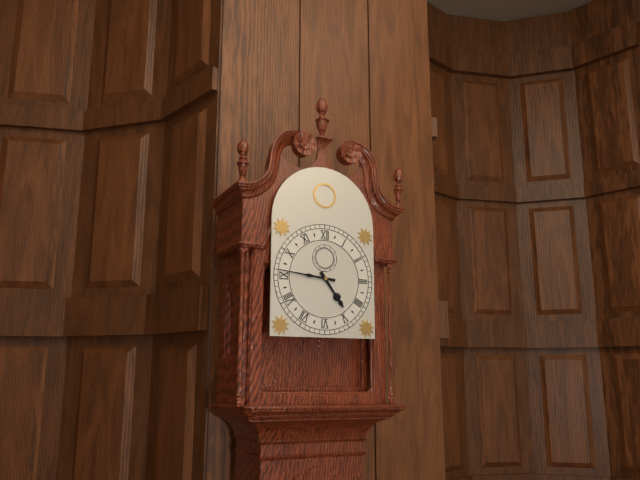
4,46
